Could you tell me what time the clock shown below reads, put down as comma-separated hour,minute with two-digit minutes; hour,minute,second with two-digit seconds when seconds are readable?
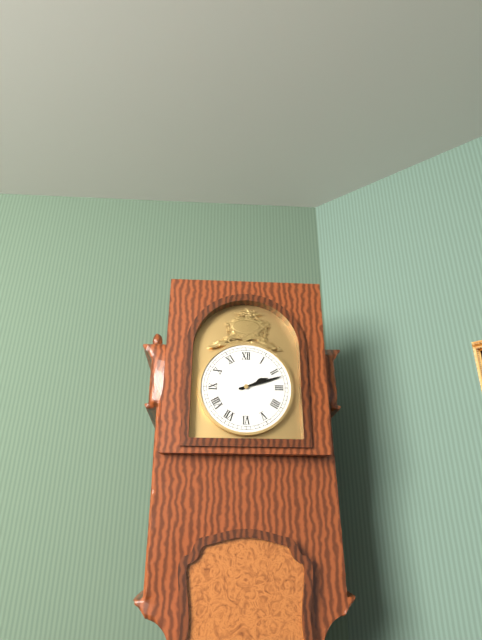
2,12
